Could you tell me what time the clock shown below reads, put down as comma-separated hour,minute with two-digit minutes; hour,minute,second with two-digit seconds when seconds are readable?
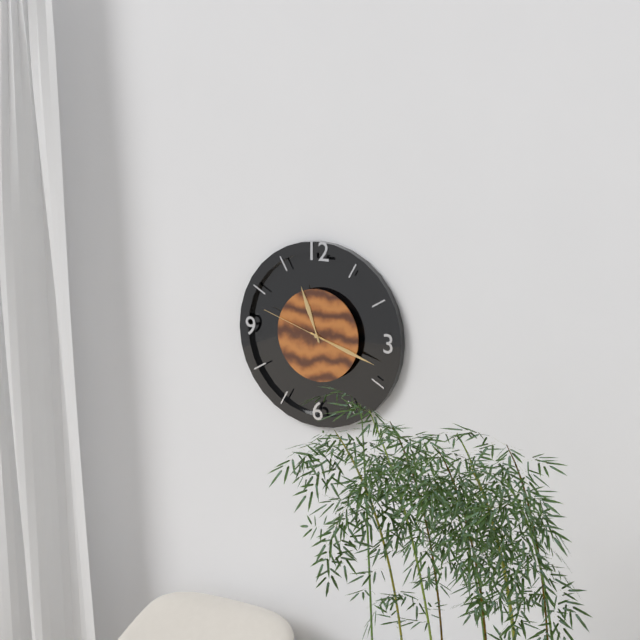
11,18,48
